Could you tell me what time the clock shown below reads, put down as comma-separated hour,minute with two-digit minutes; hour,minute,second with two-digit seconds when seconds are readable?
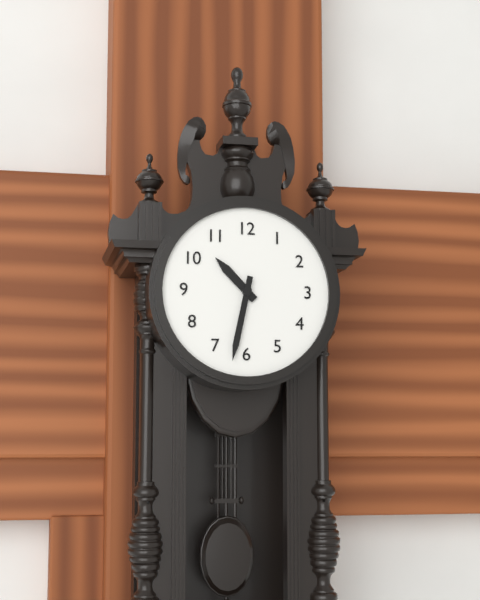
10,32
